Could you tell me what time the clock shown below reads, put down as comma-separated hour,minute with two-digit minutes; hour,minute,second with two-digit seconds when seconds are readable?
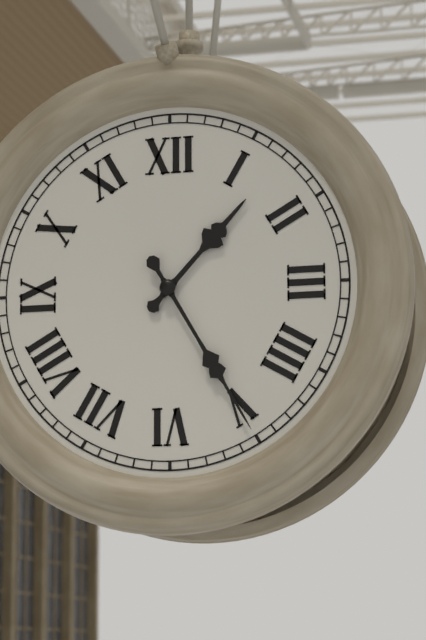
1,25
